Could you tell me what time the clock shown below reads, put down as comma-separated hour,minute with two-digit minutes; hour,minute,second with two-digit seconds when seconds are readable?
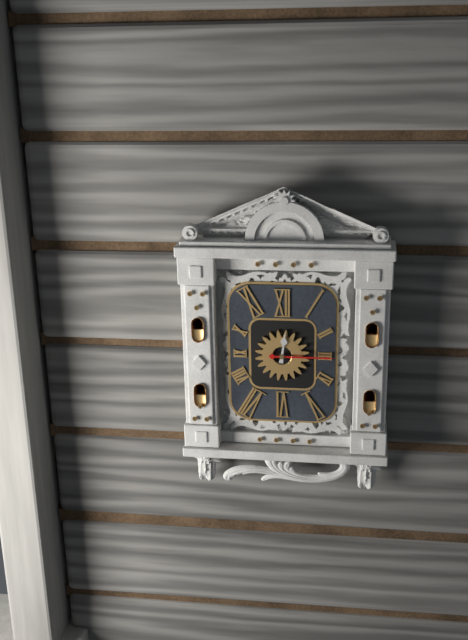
12,15
